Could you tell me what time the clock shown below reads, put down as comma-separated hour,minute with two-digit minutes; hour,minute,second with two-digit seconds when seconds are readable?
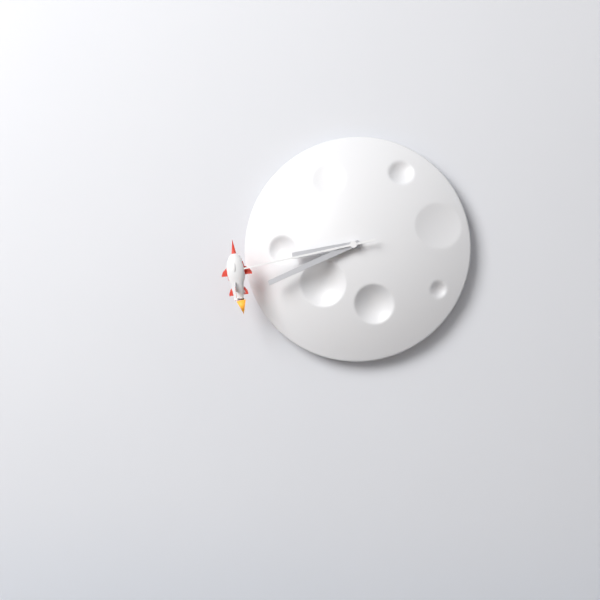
8,41,43
